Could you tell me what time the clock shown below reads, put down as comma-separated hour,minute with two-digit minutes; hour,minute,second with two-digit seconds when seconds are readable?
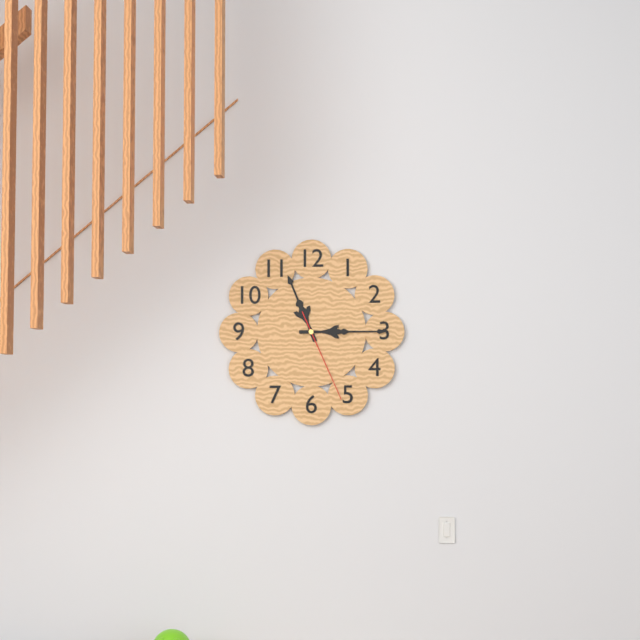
11,15,26
